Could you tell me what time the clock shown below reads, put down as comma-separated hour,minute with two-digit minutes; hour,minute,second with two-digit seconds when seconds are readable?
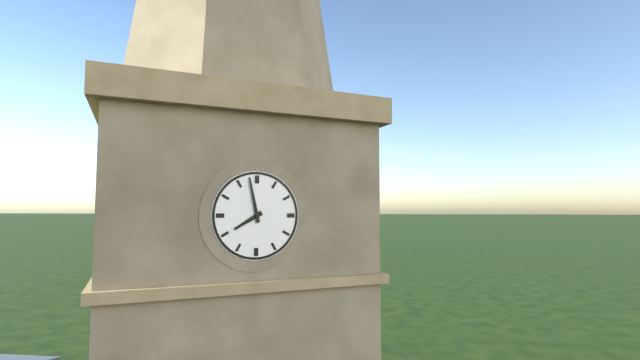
7,58
